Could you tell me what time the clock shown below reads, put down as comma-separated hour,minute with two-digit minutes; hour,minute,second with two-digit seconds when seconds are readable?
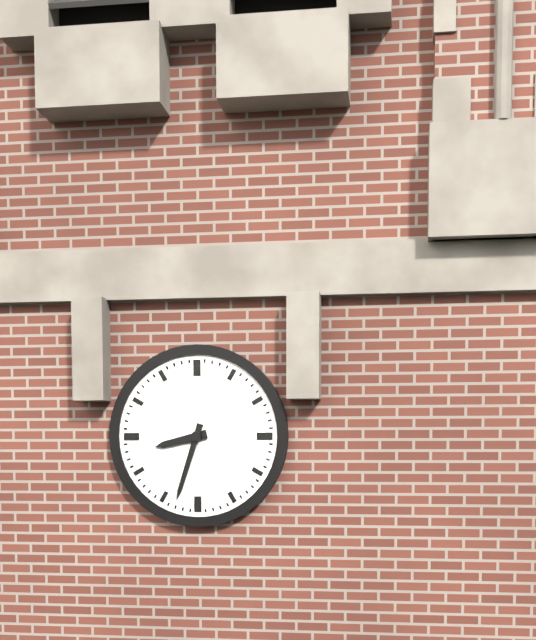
8,33
